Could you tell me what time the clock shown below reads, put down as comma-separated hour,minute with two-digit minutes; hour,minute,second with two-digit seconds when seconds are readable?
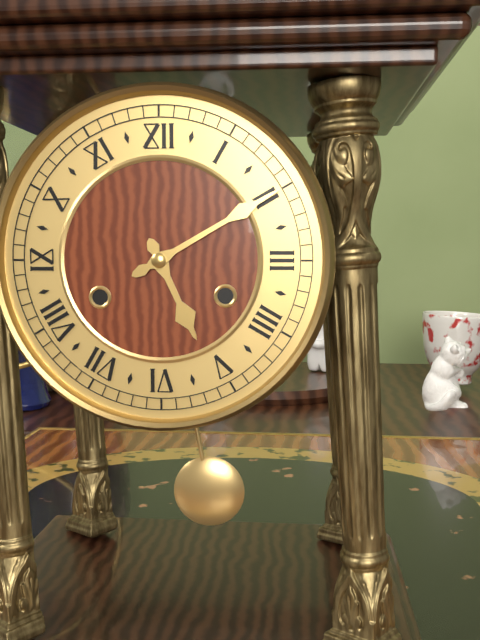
5,10
